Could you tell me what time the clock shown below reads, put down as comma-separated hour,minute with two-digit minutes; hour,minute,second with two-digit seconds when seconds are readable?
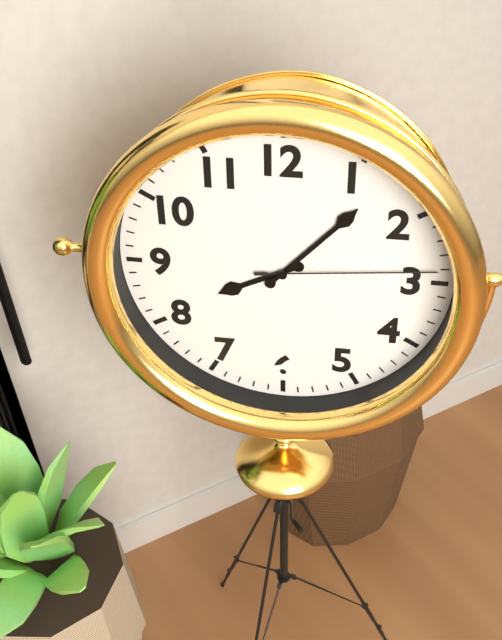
8,07,14
